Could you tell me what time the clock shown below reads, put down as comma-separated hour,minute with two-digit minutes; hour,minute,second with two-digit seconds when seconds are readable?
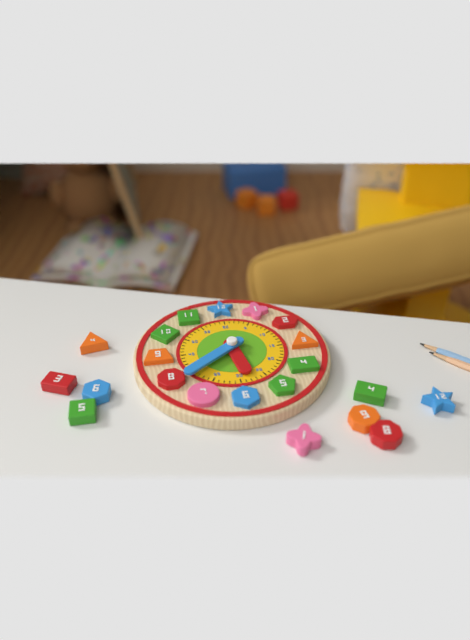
5,39
